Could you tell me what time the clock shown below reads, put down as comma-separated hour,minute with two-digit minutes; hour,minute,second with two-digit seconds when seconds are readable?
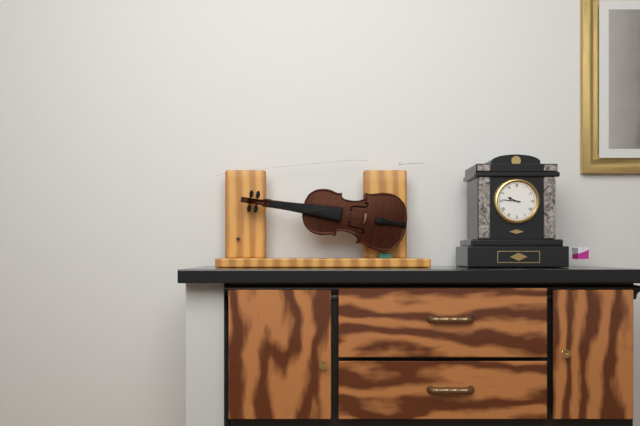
9,46
